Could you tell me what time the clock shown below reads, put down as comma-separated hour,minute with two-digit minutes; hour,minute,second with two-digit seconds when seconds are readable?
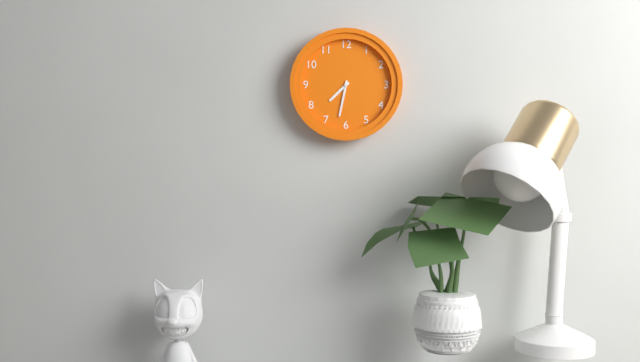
7,32
